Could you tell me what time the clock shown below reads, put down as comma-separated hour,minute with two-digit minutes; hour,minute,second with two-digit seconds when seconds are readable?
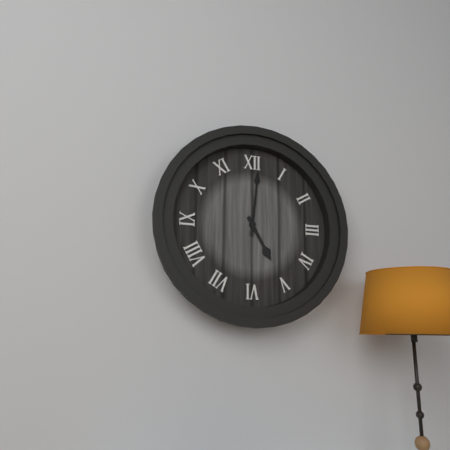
5,01
